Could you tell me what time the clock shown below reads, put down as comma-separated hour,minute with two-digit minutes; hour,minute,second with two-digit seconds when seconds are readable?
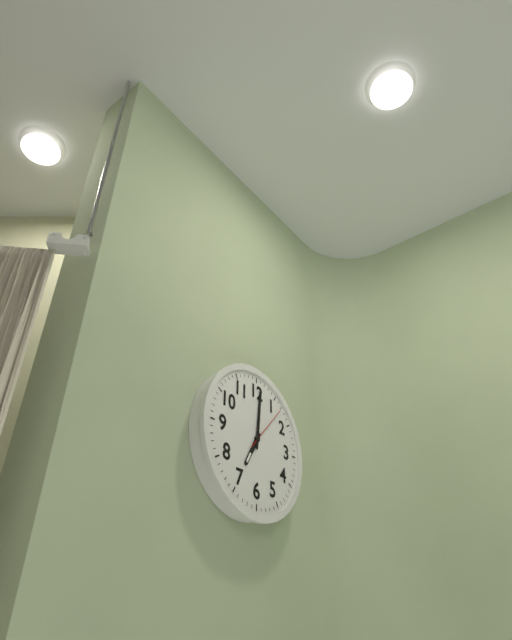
7,01
